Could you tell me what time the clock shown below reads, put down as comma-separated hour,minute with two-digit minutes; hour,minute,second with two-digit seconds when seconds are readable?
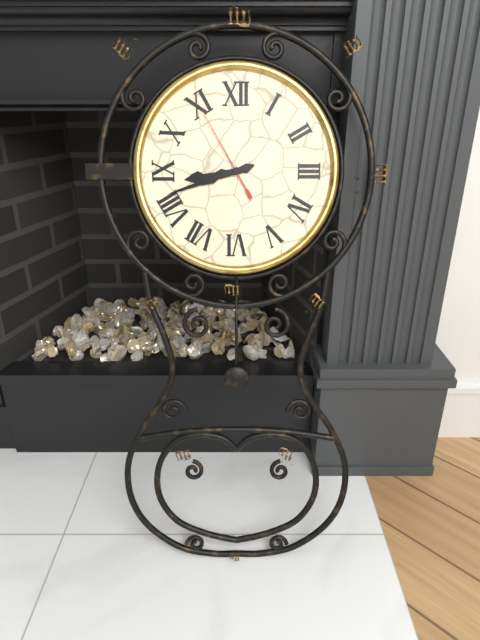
8,42,55
